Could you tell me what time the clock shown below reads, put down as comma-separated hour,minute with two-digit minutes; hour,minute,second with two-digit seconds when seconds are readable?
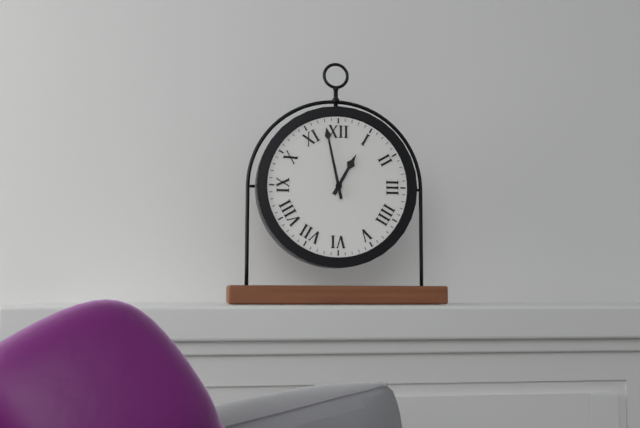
12,58
